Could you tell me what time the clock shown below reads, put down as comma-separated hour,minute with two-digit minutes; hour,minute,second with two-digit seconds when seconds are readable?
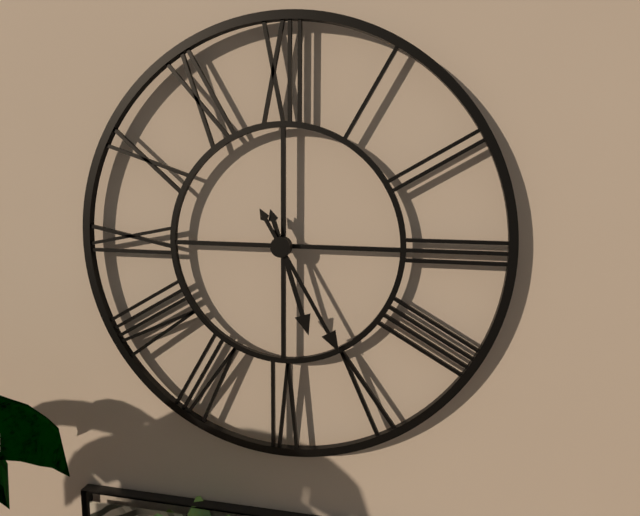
5,25
